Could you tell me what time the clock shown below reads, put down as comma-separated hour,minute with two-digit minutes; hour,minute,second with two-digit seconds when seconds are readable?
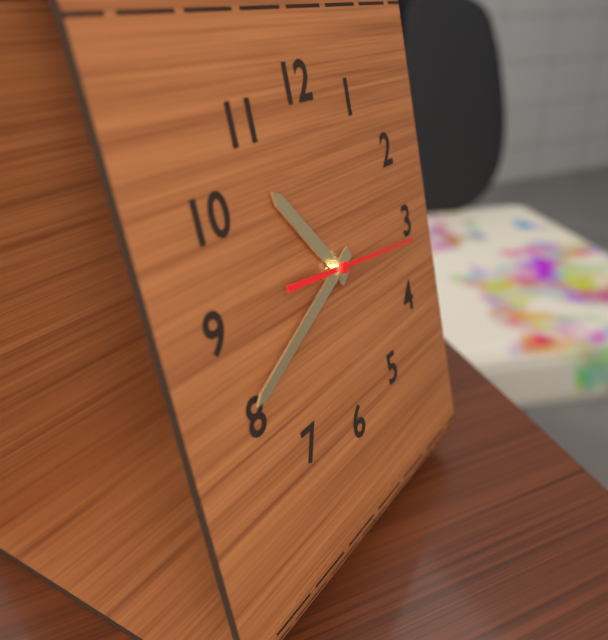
10,41,16
